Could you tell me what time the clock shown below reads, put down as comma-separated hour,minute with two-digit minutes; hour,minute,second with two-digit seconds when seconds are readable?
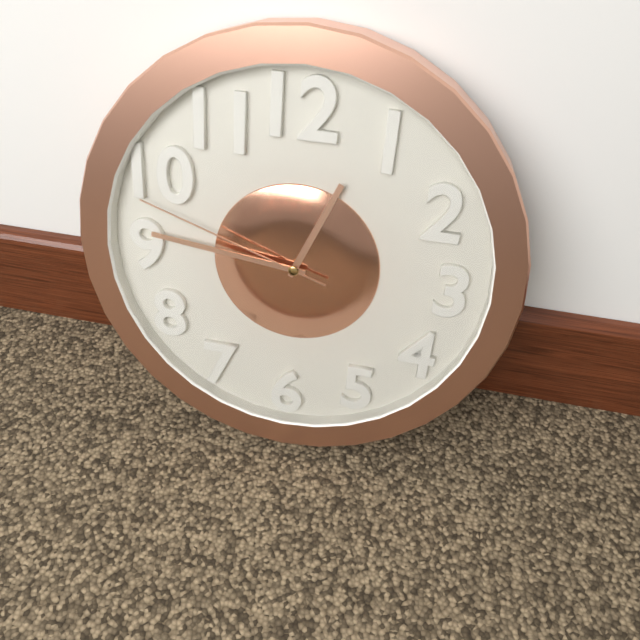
12,46,48
